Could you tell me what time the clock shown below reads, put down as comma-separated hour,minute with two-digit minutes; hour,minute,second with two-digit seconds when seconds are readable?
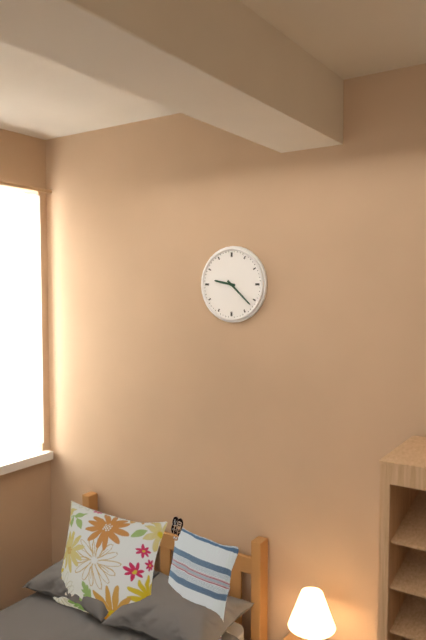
9,22
